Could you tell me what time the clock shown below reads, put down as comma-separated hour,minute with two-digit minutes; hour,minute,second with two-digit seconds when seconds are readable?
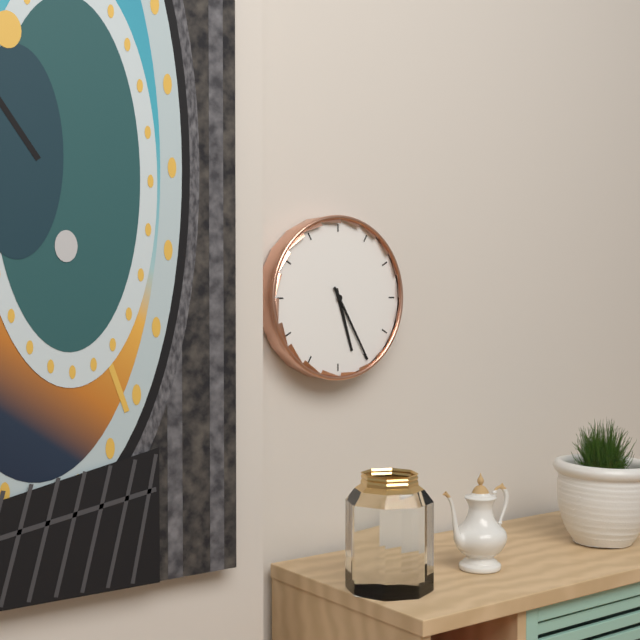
5,25
